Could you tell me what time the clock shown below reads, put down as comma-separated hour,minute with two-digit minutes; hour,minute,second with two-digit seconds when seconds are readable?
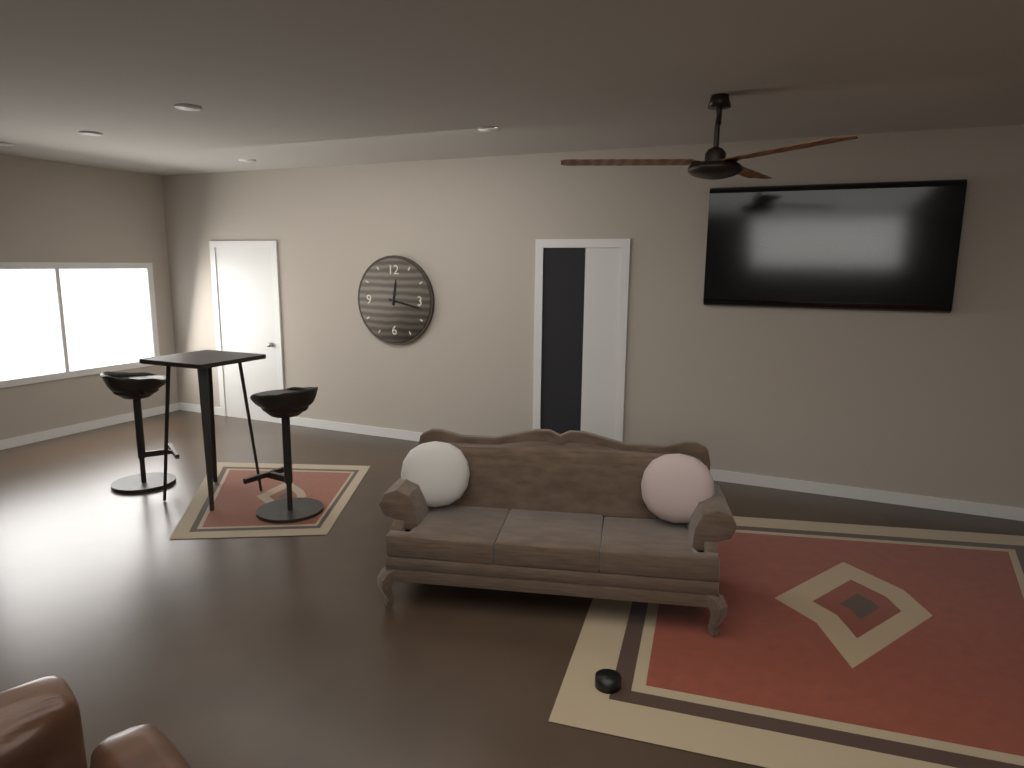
12,17
